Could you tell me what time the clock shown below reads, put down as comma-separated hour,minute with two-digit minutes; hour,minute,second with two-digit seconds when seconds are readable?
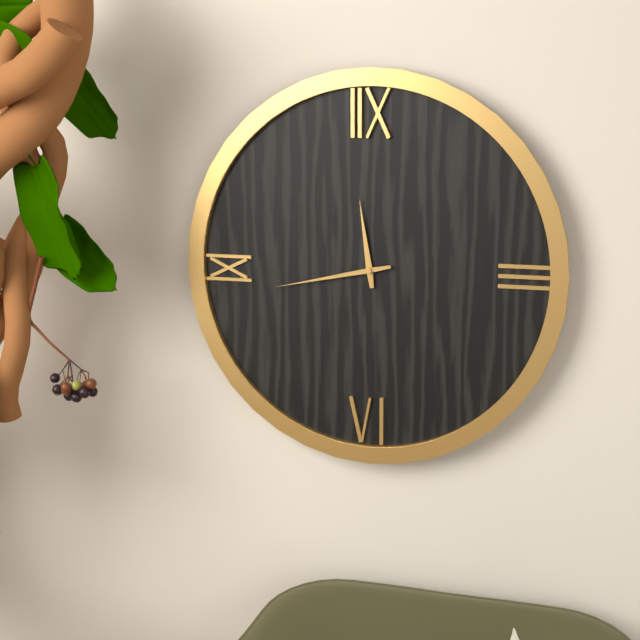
11,43
